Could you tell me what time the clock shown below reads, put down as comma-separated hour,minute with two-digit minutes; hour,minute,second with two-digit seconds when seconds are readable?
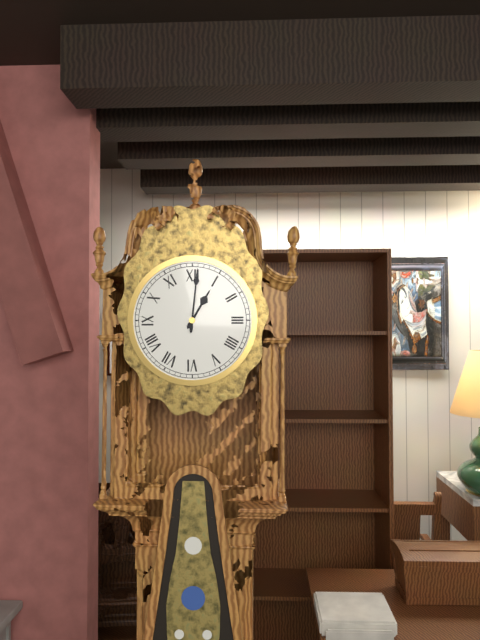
1,01
